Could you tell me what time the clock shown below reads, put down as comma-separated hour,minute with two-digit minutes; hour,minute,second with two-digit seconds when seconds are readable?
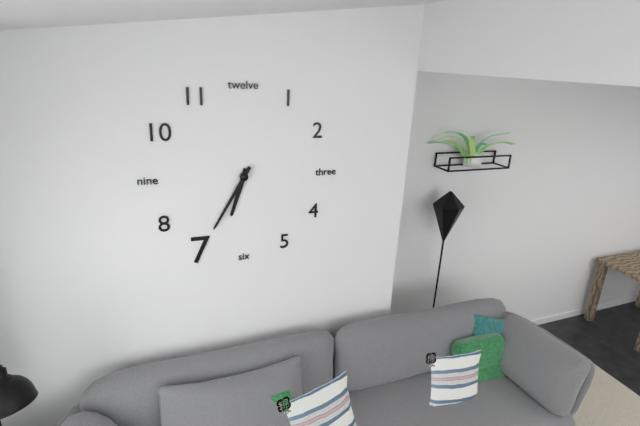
6,35
